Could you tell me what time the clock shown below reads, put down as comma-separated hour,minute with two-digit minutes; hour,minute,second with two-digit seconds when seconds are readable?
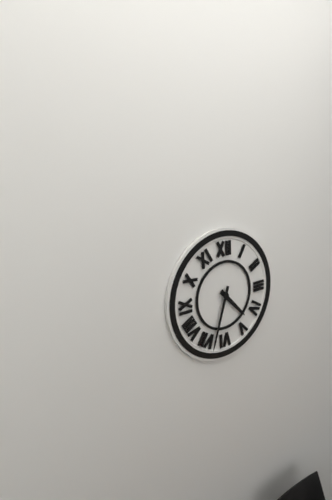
4,33
